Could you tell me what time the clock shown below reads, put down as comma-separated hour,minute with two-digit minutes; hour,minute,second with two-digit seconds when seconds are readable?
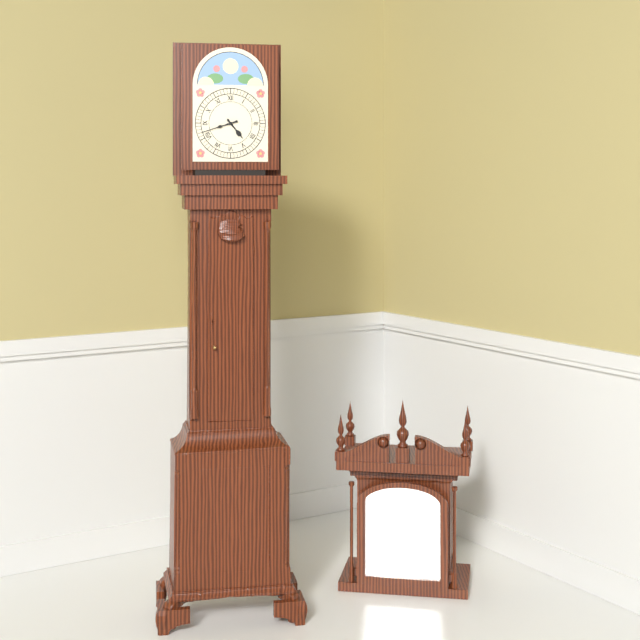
4,42
